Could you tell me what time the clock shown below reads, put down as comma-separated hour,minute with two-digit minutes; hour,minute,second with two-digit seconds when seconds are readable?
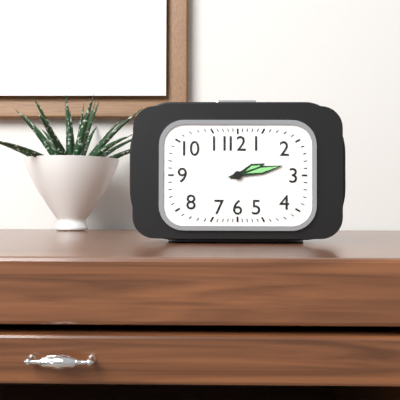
2,13
